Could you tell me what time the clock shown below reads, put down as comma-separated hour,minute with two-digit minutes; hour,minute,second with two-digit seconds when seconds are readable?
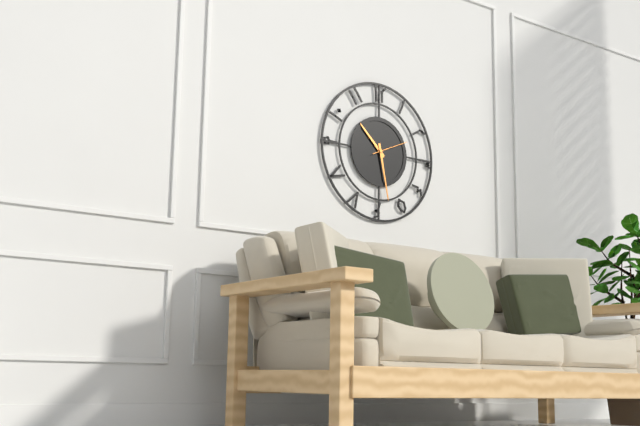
10,28
